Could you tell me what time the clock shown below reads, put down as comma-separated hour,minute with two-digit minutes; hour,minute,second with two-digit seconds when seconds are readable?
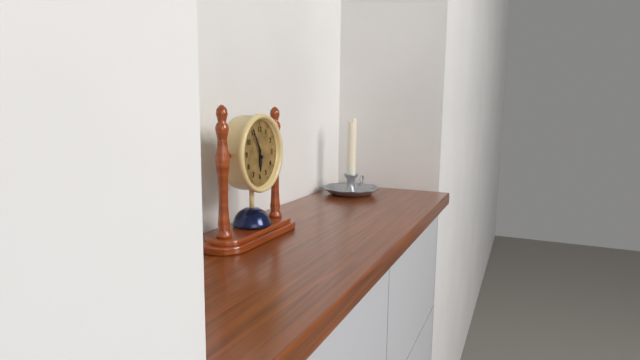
5,55
